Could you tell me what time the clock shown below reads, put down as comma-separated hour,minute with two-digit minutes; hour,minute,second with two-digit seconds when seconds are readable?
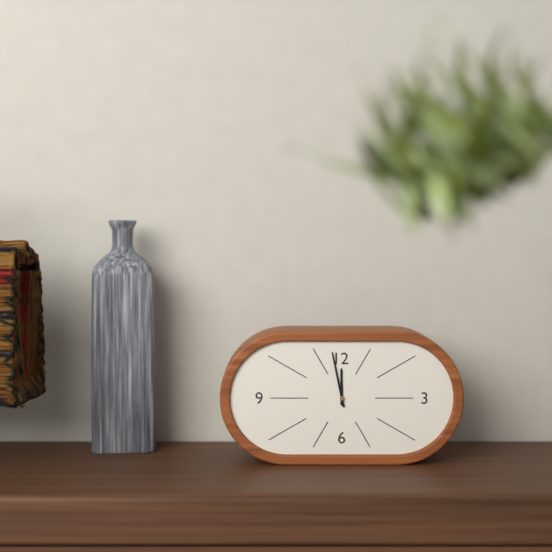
11,58
